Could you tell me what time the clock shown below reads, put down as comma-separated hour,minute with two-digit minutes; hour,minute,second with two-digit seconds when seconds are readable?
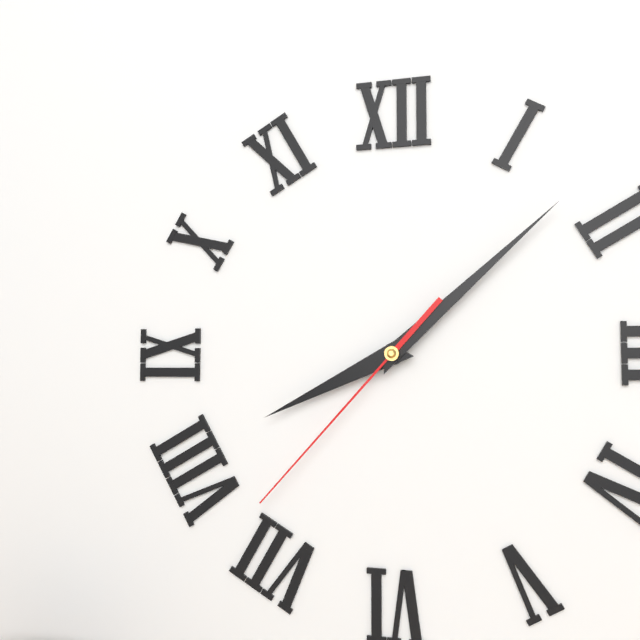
8,08,37
